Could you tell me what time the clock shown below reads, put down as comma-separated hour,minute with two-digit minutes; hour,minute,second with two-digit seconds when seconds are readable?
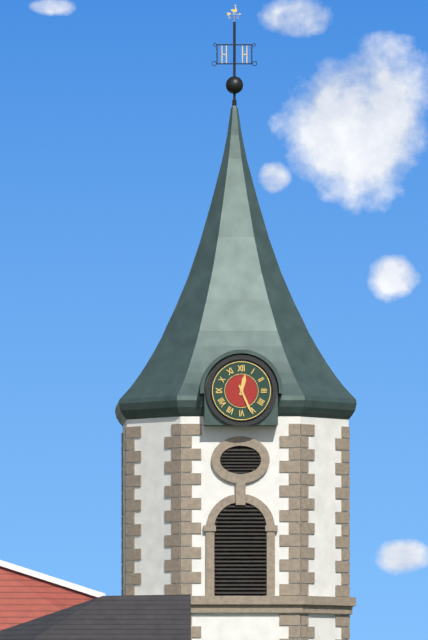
12,26
